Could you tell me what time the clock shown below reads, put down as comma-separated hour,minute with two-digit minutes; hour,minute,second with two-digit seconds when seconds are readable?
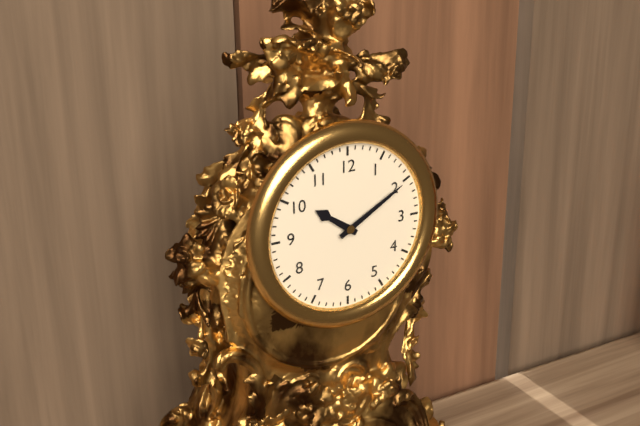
10,10
